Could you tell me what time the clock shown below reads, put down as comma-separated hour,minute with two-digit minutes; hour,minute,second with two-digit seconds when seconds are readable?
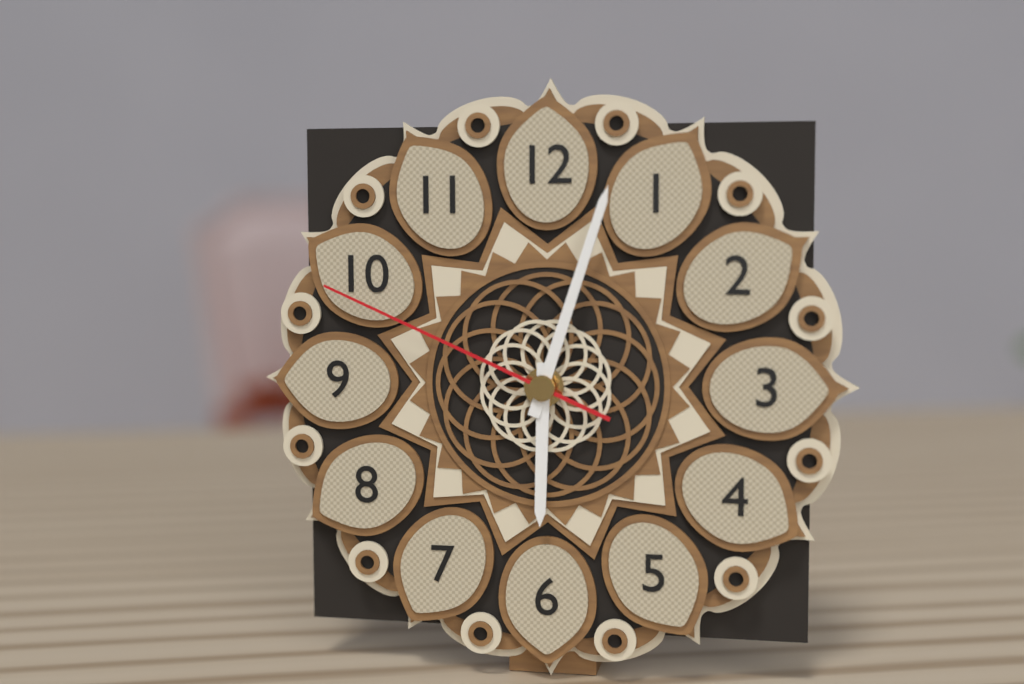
6,03,49
